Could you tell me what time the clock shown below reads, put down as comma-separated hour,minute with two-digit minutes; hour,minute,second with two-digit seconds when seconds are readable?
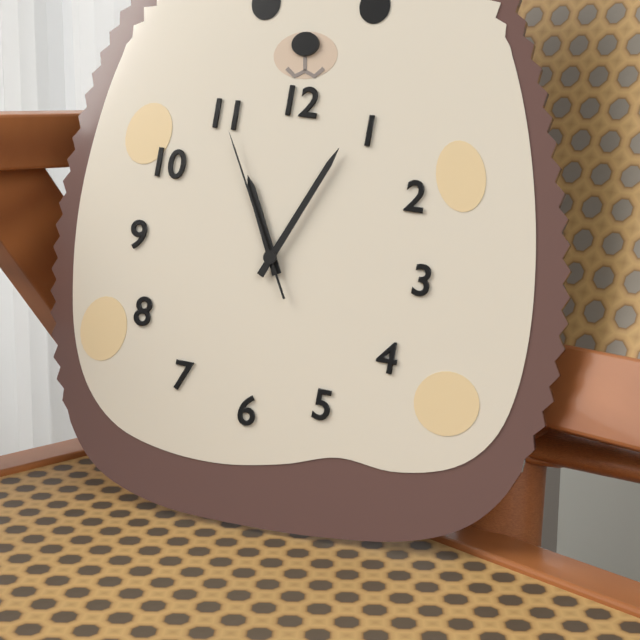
11,04,55
